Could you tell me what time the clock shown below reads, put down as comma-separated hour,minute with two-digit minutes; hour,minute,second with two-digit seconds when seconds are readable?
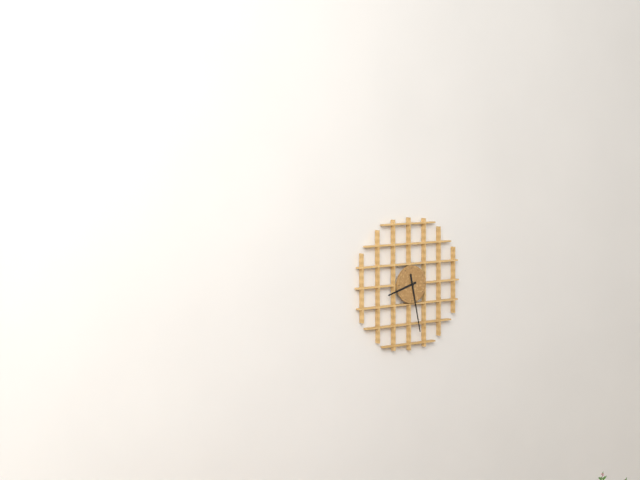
8,28
